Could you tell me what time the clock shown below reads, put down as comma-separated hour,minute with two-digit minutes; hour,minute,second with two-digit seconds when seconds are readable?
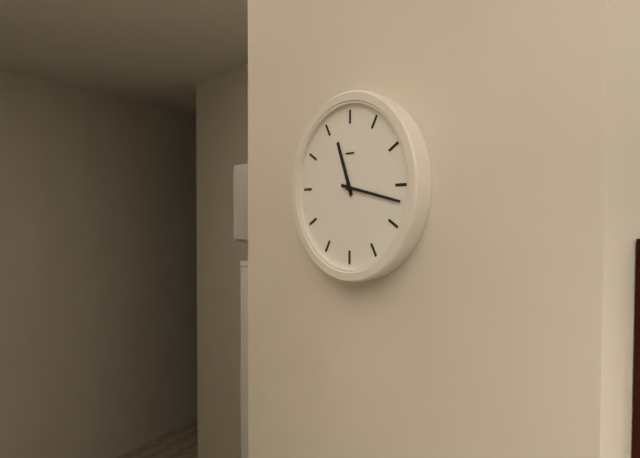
11,17
